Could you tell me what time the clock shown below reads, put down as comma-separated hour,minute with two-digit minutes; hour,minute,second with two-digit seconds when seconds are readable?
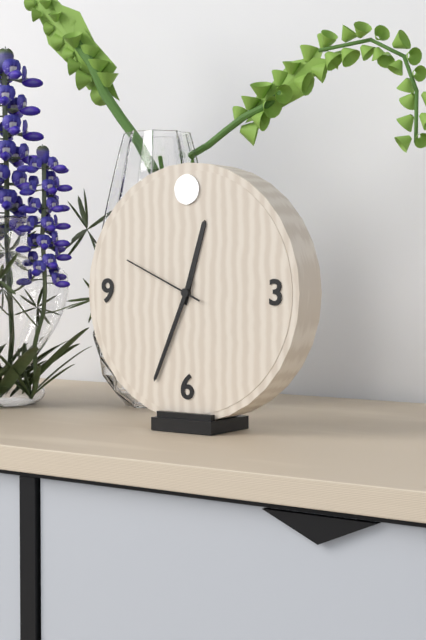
12,34,49
